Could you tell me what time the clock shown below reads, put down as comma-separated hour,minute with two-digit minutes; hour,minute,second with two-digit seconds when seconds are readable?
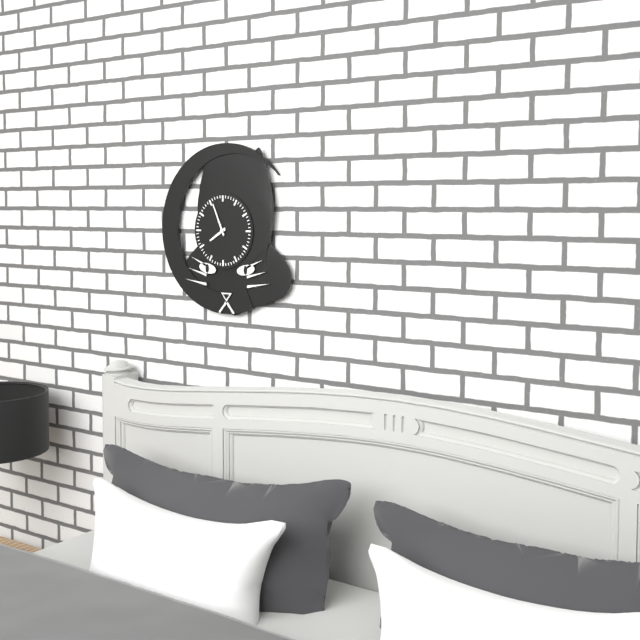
7,56
